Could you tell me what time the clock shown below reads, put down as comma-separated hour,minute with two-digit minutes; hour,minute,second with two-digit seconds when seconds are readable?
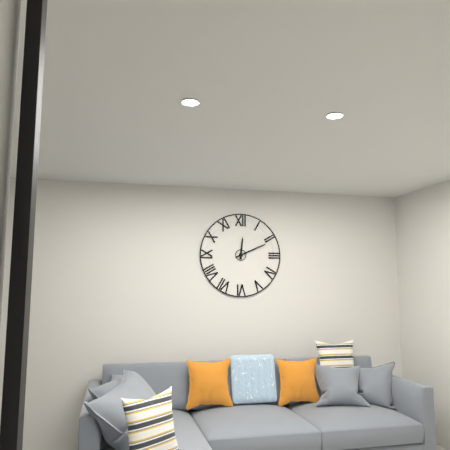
12,11
